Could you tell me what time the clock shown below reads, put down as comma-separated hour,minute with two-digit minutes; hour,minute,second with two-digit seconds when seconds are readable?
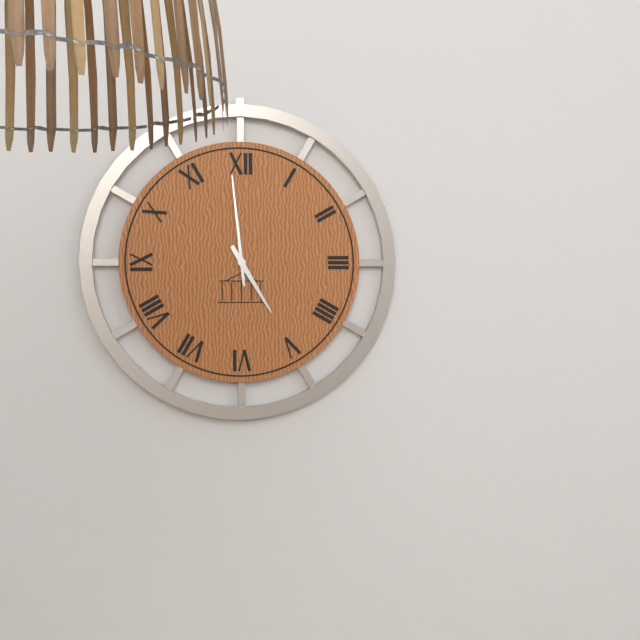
4,59
